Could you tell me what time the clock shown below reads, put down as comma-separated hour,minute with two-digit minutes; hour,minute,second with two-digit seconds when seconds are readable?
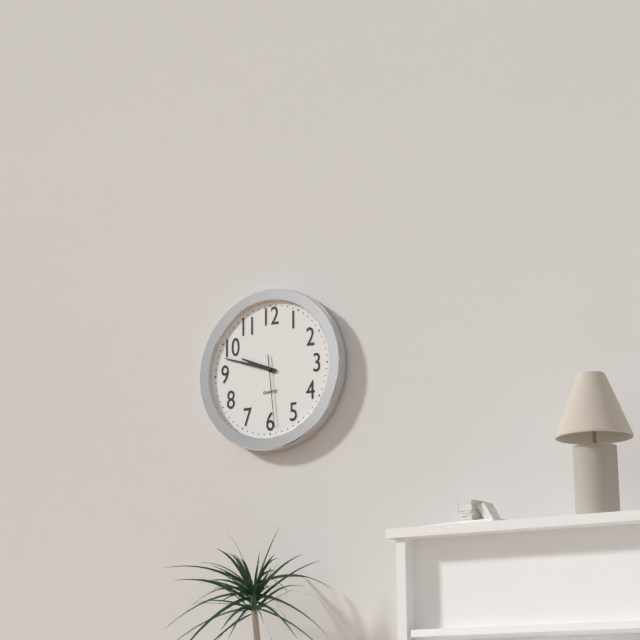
9,48,29
